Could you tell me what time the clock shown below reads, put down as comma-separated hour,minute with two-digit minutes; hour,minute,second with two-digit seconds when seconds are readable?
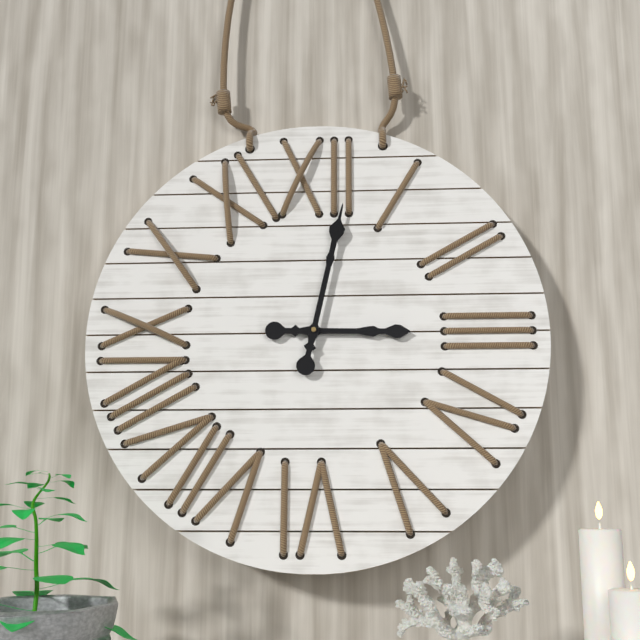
3,02
